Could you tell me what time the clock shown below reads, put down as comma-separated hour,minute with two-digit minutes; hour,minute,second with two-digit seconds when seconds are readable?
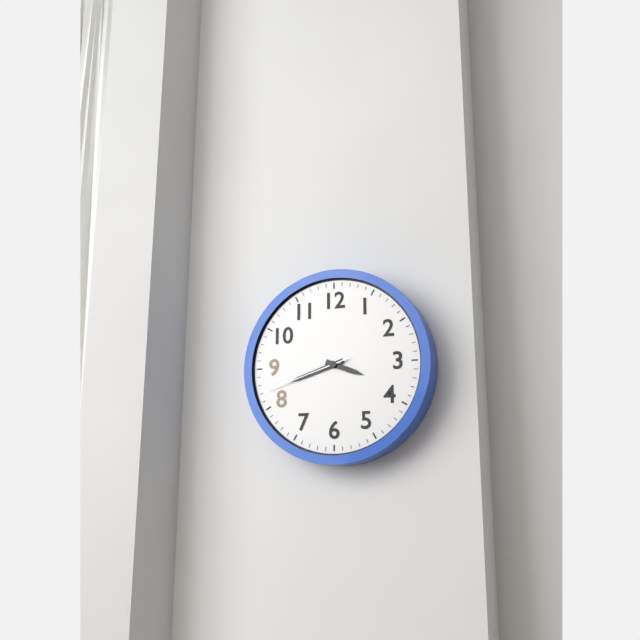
3,42,42
